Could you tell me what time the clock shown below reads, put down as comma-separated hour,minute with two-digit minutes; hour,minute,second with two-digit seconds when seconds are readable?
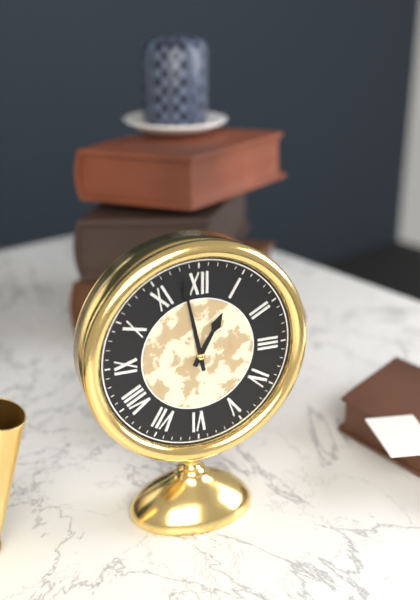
12,58
